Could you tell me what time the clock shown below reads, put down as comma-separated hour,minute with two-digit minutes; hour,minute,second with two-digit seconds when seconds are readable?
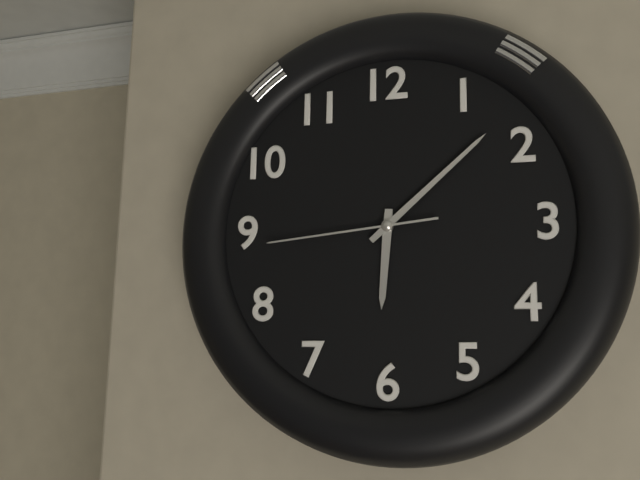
6,08,44
